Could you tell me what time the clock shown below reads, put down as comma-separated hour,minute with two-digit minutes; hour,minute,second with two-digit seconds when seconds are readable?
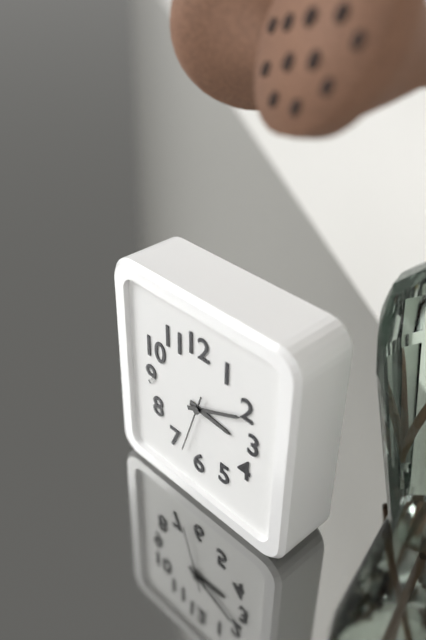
3,11,33
